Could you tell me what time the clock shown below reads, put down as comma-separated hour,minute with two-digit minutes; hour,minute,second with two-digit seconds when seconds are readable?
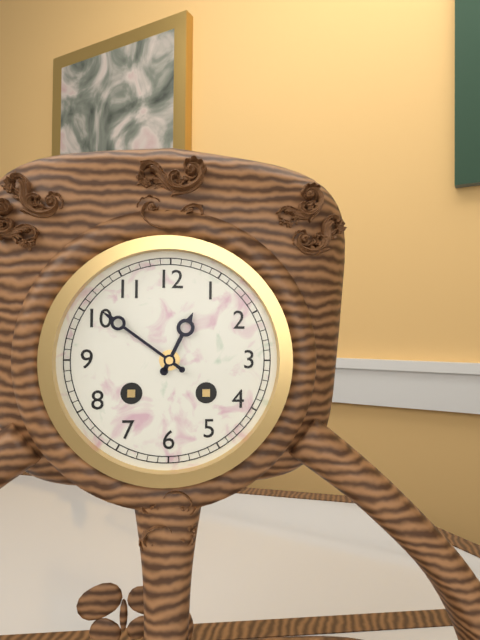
12,51
